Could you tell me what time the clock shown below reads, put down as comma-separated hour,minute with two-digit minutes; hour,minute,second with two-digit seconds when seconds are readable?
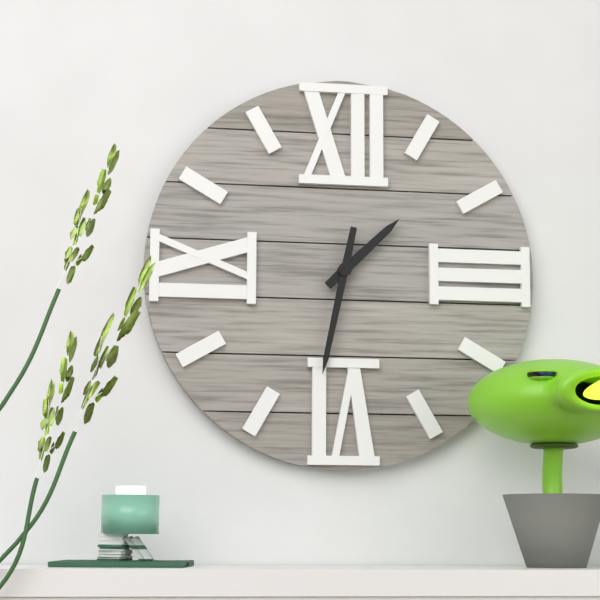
1,32
